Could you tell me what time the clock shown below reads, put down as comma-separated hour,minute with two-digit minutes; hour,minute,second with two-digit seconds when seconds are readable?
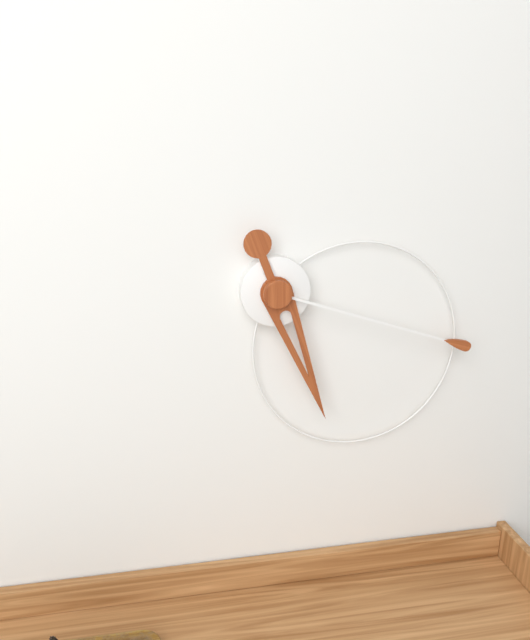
5,18
